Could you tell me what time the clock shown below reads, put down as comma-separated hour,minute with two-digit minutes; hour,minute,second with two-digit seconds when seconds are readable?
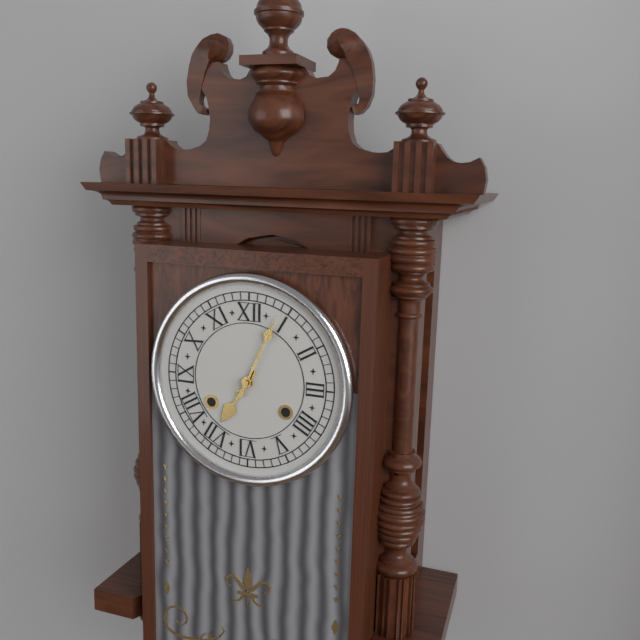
7,04
